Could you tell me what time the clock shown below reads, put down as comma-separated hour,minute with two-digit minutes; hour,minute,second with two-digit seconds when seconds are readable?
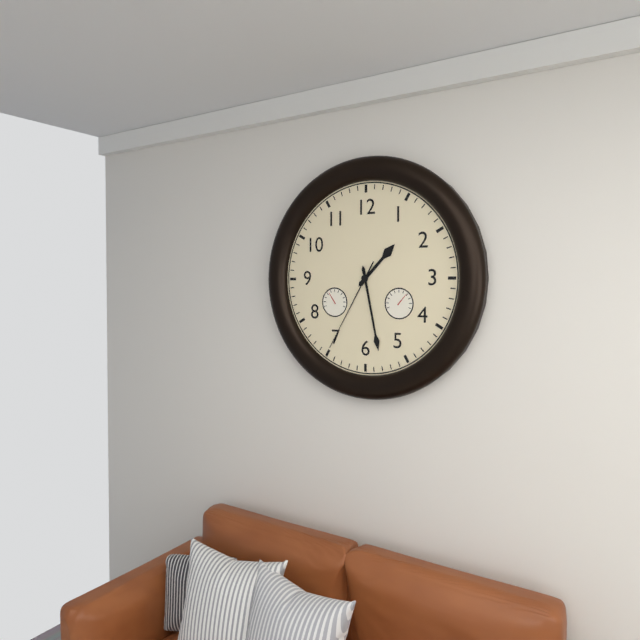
1,28,35
